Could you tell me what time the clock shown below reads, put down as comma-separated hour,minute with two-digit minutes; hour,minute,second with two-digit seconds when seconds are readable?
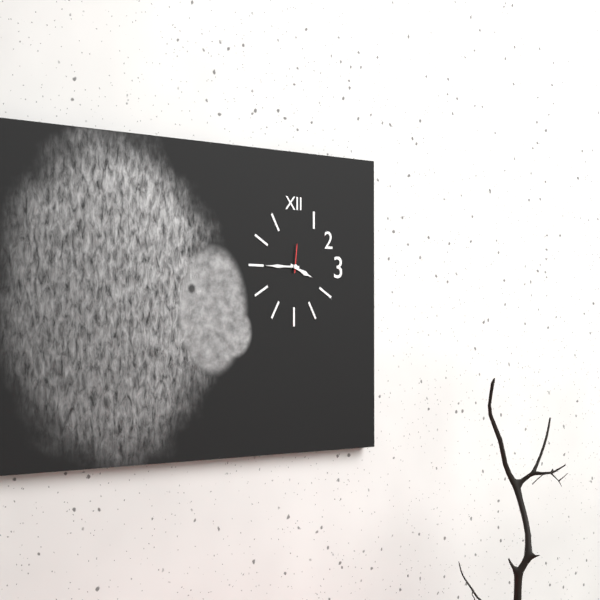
3,45
